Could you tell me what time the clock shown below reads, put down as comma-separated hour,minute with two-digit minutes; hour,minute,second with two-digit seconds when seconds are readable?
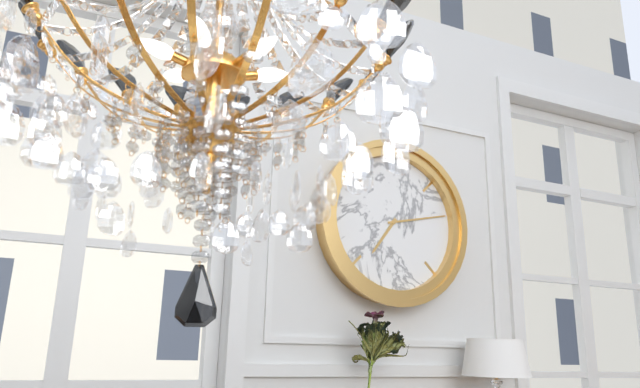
7,13
